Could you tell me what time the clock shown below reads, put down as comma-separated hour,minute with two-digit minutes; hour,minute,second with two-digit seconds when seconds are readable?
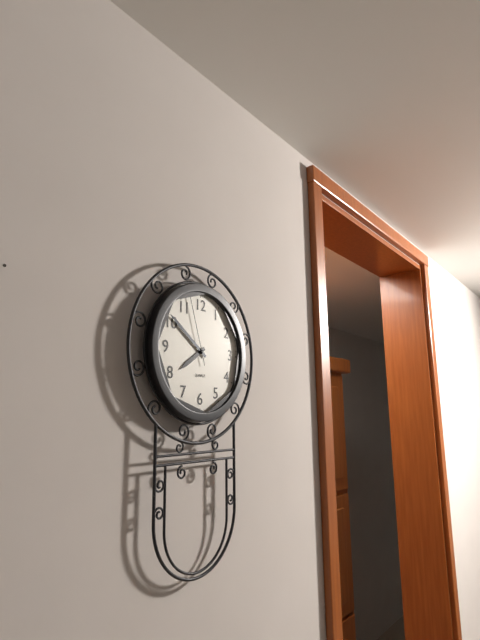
7,51,57
